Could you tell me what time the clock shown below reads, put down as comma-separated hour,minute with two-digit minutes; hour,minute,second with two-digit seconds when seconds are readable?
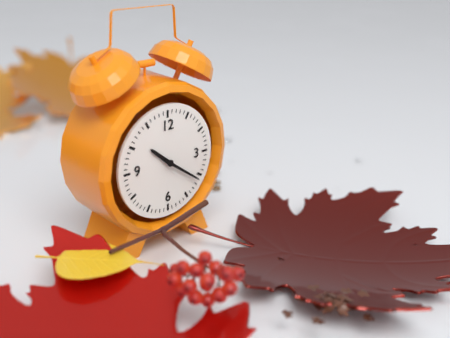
10,21
